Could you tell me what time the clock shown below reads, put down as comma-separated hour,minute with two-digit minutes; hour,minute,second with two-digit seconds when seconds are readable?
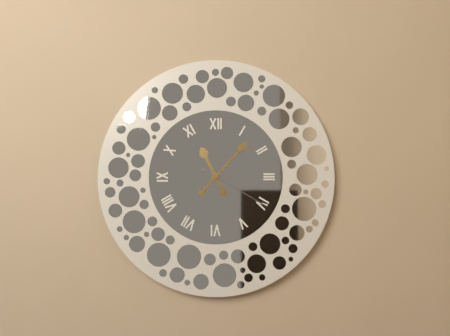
11,07,20
